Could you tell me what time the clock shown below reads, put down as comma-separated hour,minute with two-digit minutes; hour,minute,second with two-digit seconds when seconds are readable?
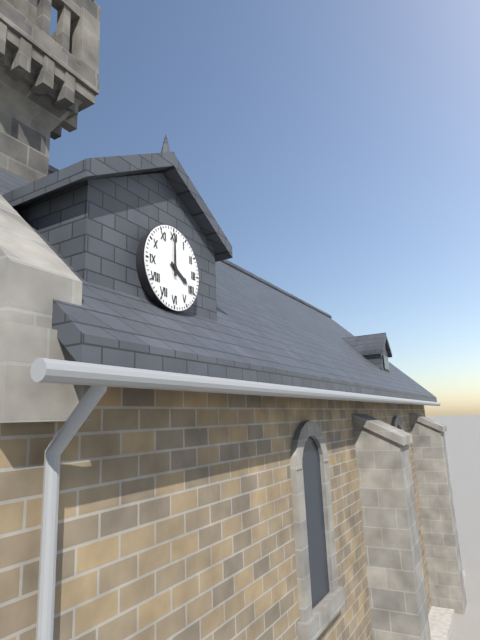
4,00
